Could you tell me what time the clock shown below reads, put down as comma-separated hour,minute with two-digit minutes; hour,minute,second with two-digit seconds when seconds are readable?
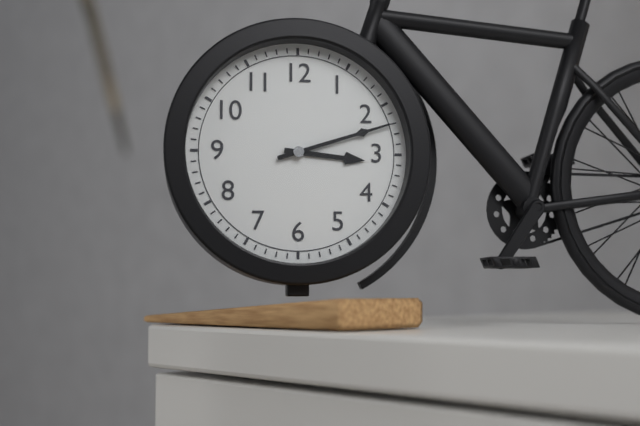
3,12
